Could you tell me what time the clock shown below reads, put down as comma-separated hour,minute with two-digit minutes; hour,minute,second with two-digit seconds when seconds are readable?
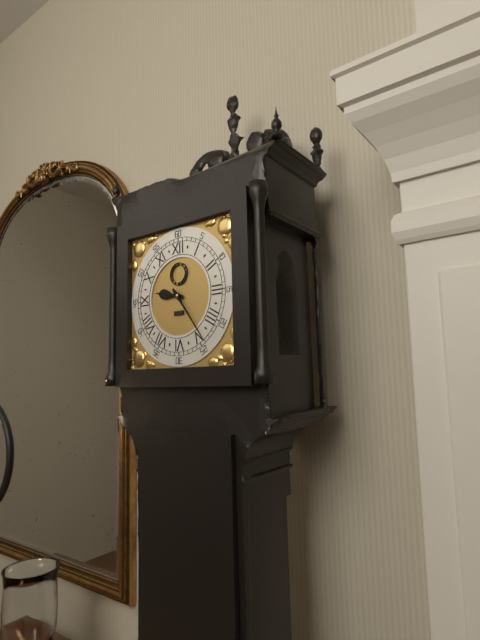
9,24
